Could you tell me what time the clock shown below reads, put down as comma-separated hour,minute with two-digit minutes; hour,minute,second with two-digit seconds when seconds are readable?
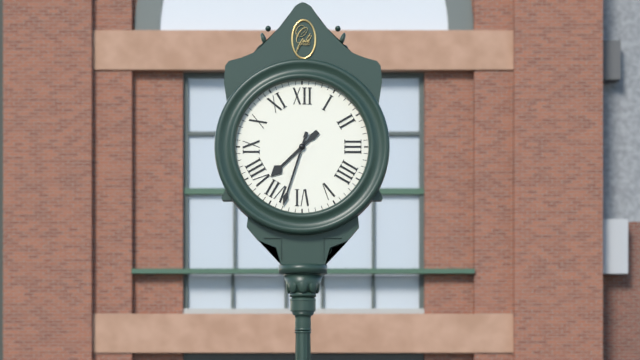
7,33
